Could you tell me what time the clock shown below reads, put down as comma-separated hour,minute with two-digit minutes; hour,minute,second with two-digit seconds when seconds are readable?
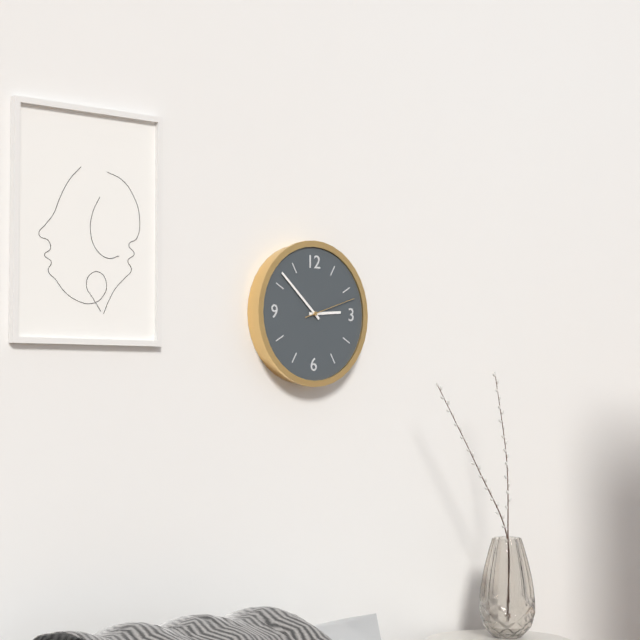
2,52,12
